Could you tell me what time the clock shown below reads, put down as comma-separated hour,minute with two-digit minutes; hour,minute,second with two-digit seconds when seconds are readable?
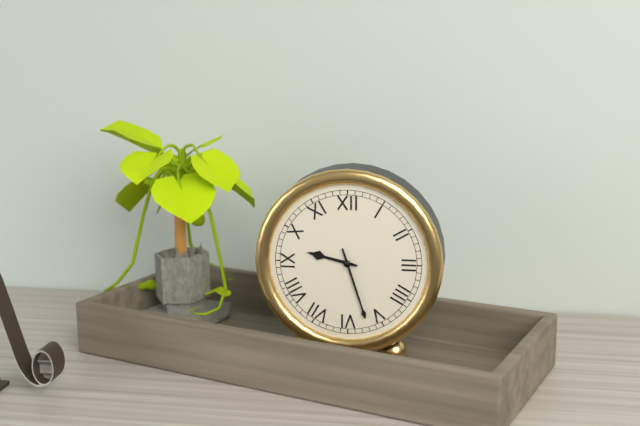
9,27
